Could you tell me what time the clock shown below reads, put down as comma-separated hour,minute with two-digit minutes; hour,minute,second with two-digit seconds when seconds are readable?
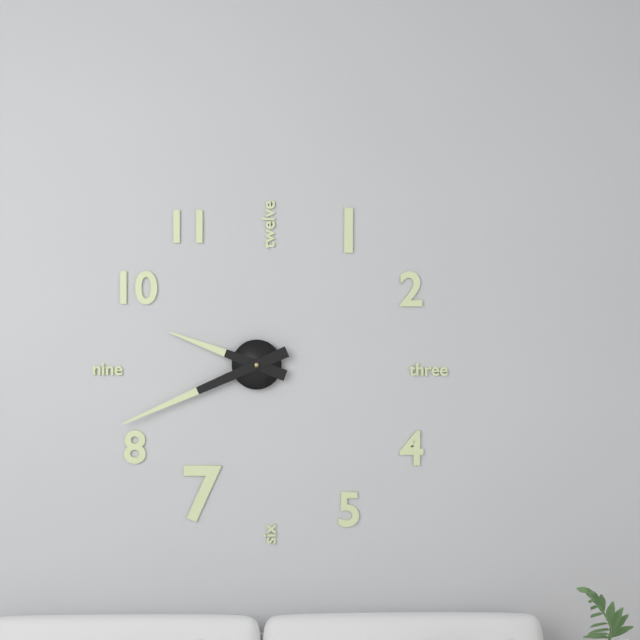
9,41
